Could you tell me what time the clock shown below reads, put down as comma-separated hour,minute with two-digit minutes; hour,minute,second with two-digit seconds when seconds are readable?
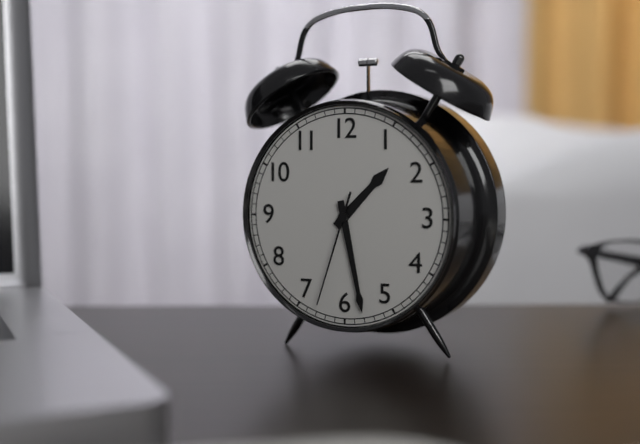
1,28,33
